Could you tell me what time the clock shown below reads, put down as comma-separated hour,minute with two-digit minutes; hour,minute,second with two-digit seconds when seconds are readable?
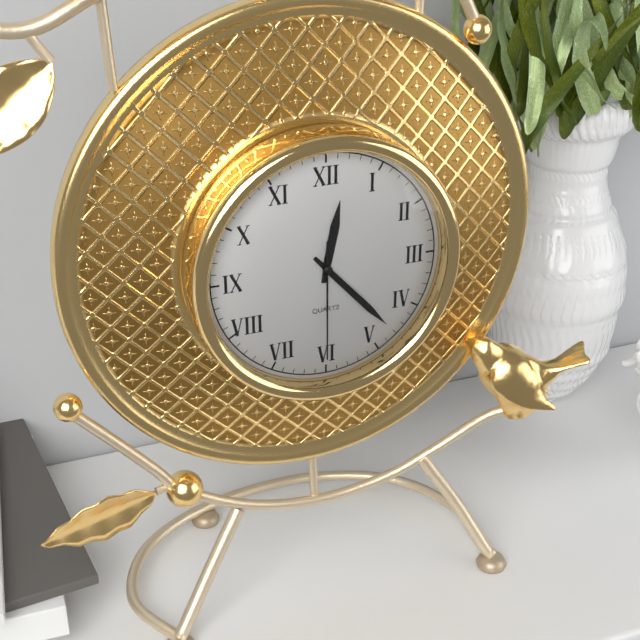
12,23,30
